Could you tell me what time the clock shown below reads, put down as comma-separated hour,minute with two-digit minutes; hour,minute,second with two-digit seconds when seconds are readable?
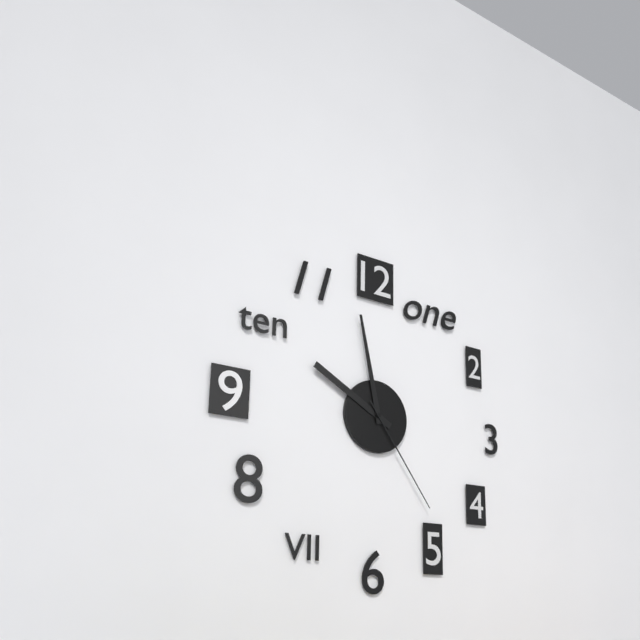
9,58,24
